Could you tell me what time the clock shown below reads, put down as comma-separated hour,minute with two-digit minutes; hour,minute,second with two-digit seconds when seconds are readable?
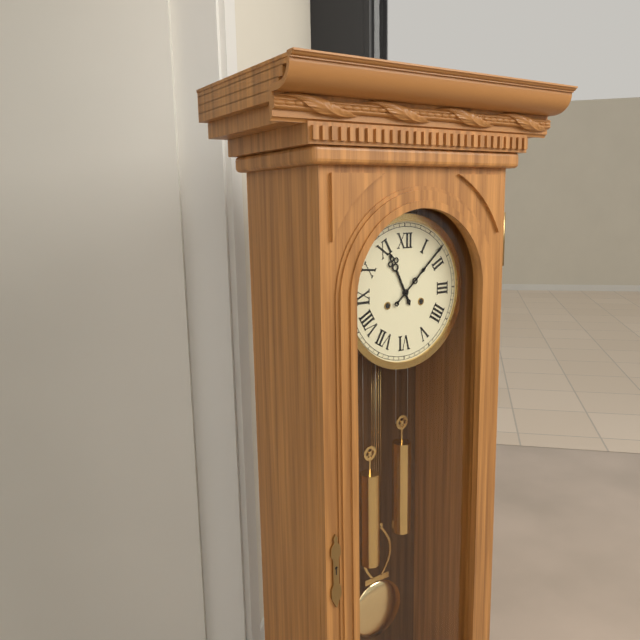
11,08
